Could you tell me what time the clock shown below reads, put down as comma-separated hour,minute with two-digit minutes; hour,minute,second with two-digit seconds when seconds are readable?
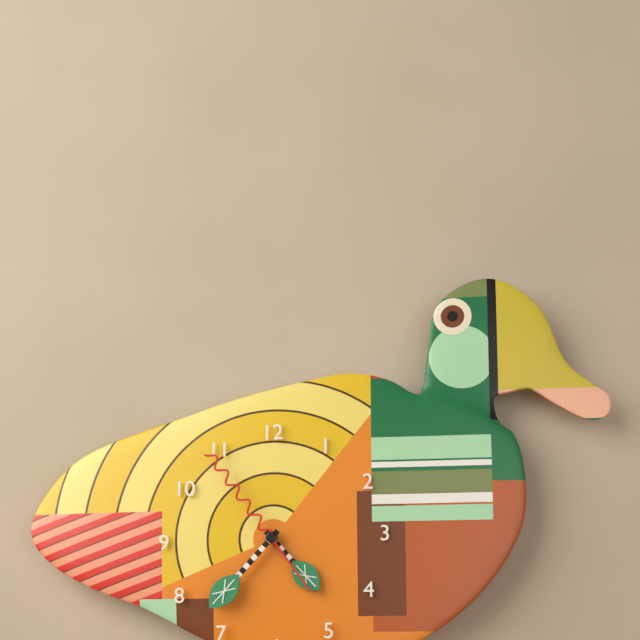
4,37,54
